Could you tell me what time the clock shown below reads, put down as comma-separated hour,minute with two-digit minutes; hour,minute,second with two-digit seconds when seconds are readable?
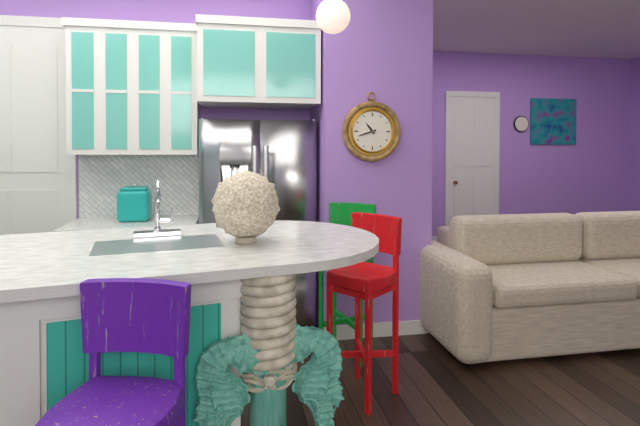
10,42
